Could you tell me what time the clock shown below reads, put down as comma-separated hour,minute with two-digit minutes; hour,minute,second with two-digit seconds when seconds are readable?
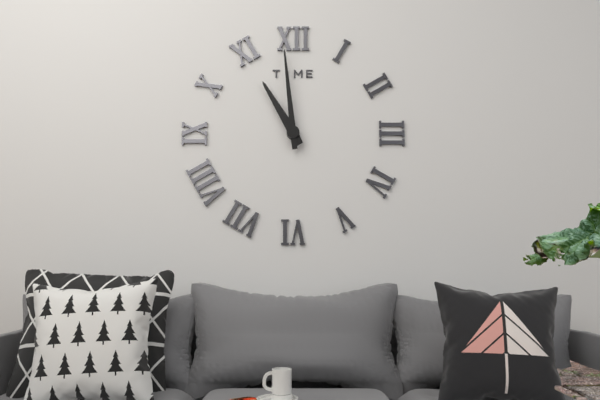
10,59
